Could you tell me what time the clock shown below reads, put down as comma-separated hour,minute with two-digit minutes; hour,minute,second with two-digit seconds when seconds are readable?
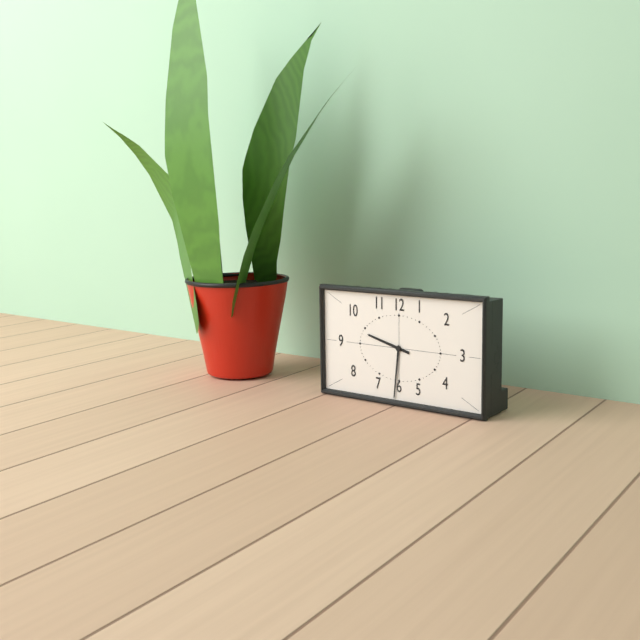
9,31
